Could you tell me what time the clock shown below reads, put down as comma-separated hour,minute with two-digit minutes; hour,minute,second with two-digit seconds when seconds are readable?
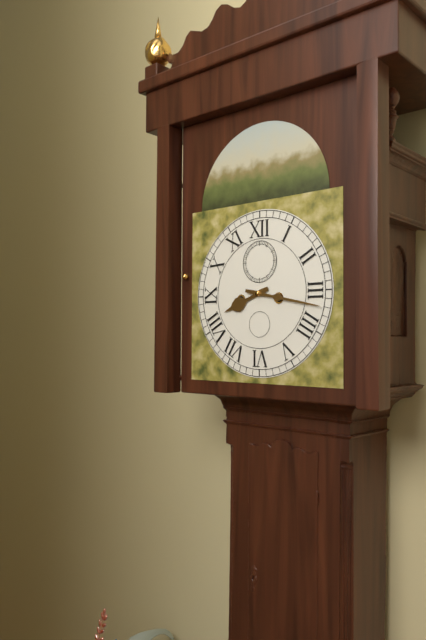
8,17
